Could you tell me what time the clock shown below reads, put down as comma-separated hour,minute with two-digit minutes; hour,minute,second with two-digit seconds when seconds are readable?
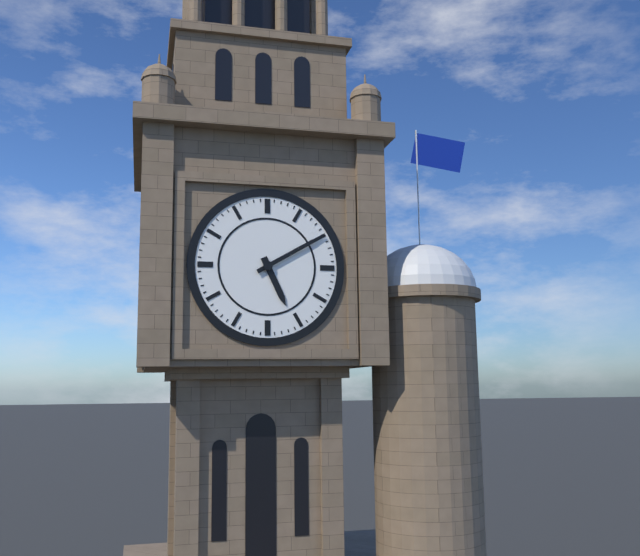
5,10
